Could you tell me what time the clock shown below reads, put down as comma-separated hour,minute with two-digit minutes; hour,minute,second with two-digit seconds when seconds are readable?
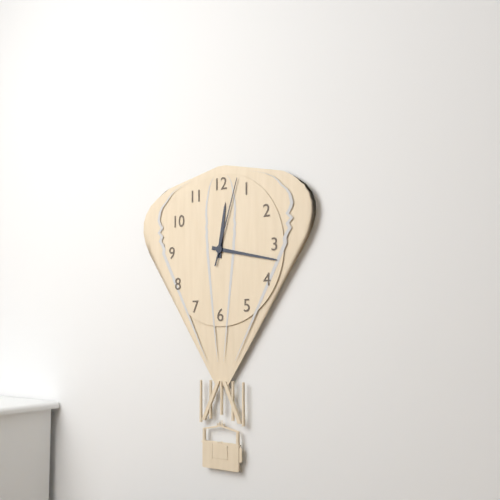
12,17,03
